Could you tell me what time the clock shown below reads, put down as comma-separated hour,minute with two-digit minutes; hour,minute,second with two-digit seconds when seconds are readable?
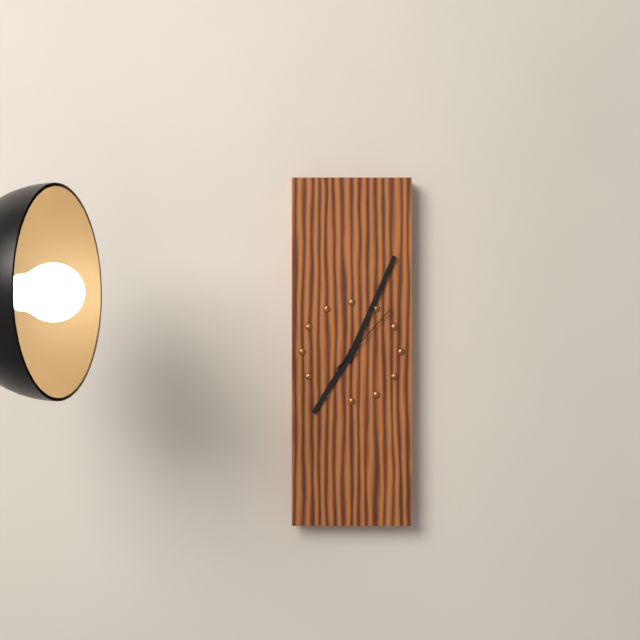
7,04,07
